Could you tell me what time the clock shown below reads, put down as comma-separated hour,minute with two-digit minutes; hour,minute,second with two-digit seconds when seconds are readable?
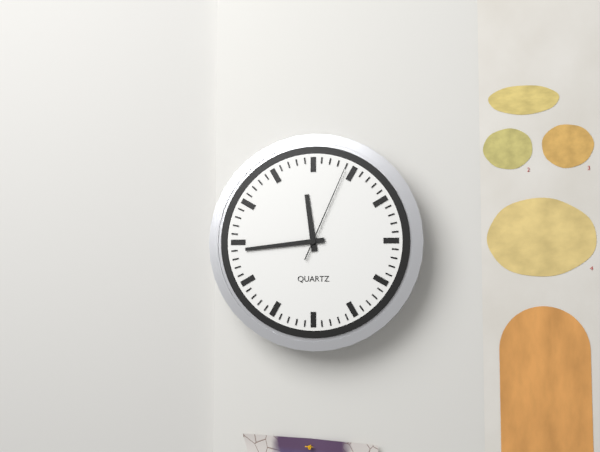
11,44,04
